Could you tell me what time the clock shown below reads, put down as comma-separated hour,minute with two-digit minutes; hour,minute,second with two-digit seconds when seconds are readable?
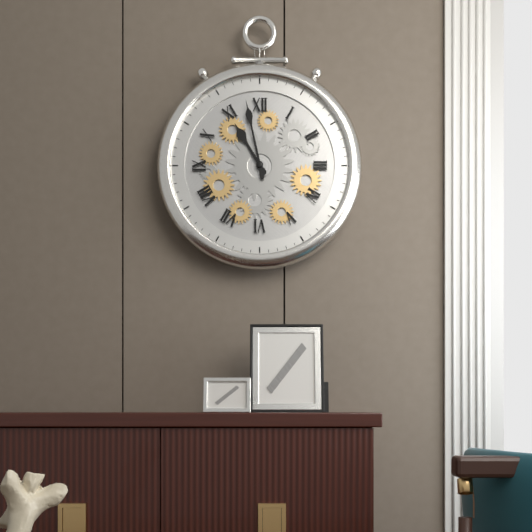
10,58
